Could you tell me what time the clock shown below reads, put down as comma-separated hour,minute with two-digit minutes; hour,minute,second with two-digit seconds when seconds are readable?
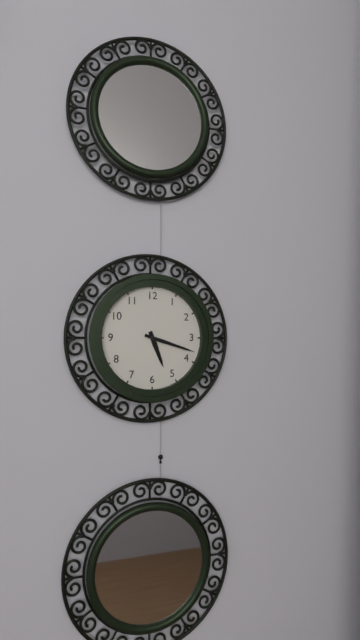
5,18
